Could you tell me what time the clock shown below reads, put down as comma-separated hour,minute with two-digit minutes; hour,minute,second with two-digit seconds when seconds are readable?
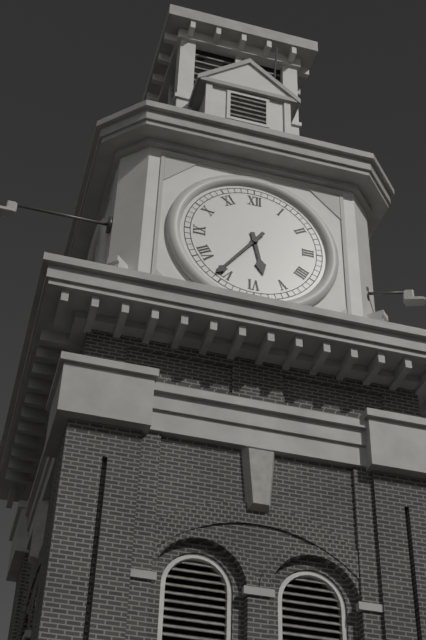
5,36
